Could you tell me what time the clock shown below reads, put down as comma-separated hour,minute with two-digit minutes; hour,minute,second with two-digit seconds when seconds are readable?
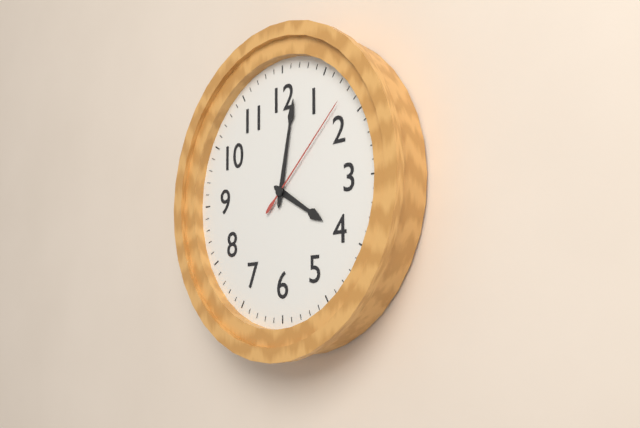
4,02,08
